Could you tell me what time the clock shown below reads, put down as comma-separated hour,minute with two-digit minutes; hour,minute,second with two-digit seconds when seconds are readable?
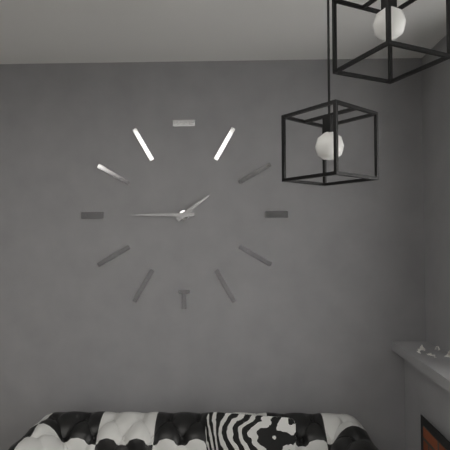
1,45
